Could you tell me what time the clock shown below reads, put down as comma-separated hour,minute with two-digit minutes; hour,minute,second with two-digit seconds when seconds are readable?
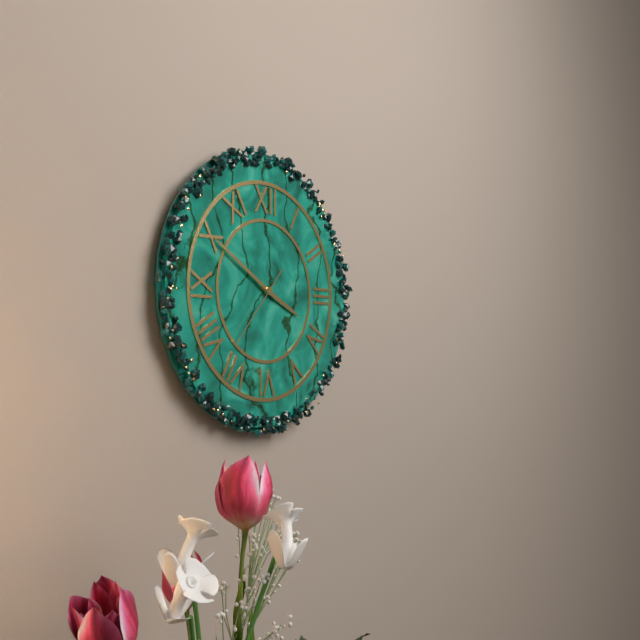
3,50,37
